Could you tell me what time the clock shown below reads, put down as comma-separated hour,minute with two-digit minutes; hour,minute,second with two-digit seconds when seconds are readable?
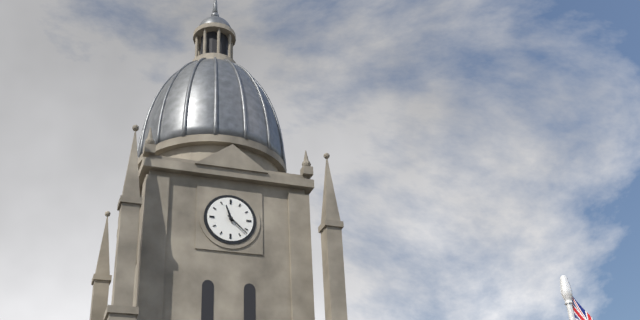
11,22
